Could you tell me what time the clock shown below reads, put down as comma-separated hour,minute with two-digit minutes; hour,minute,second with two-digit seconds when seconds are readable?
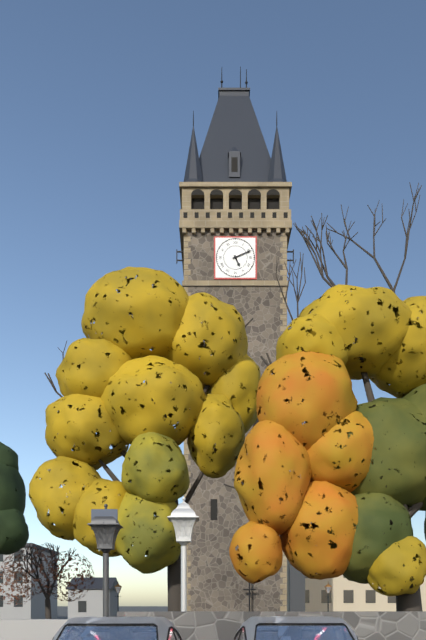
5,11
